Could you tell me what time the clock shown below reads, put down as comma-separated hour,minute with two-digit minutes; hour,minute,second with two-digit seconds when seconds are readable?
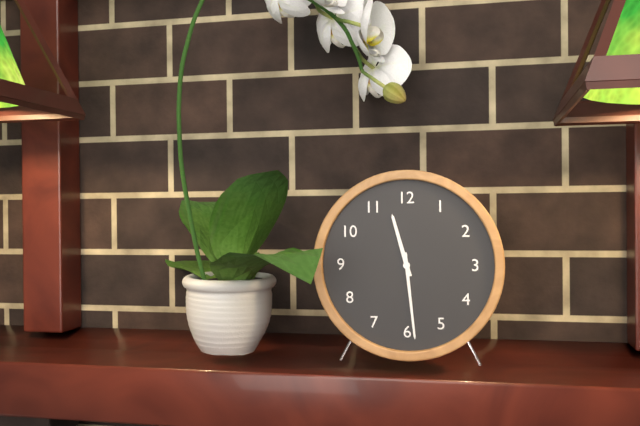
11,29
